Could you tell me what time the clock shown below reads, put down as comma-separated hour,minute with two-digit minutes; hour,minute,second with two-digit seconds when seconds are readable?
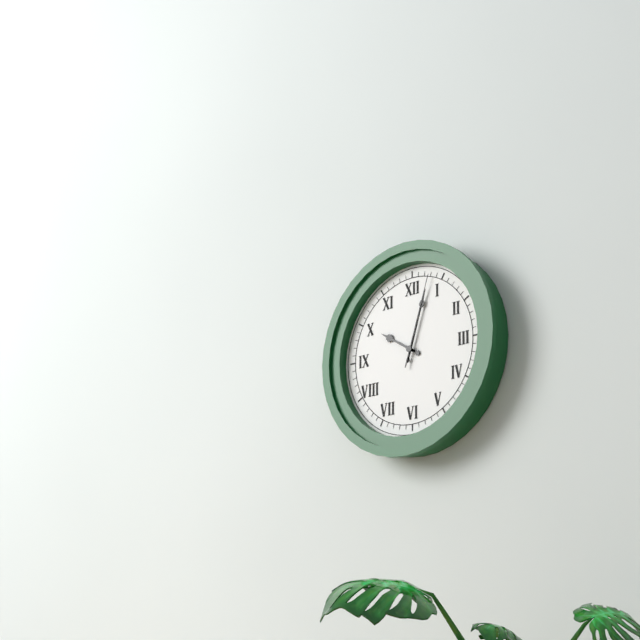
10,03,03
